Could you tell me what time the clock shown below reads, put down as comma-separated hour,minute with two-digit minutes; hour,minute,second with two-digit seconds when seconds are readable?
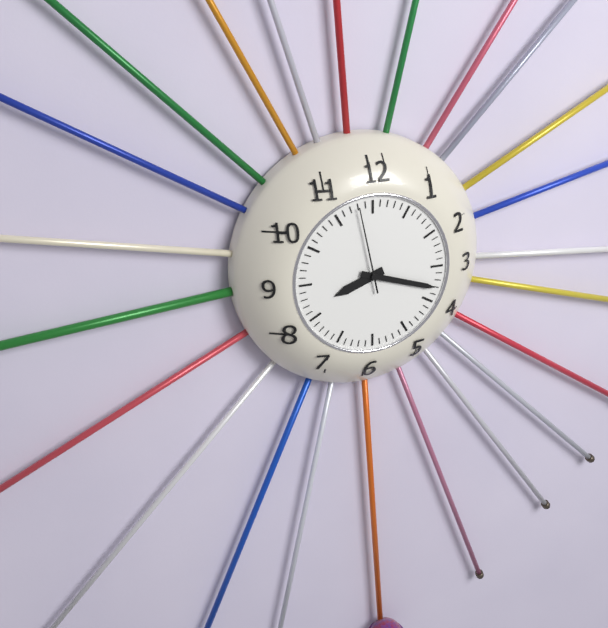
8,18,58
